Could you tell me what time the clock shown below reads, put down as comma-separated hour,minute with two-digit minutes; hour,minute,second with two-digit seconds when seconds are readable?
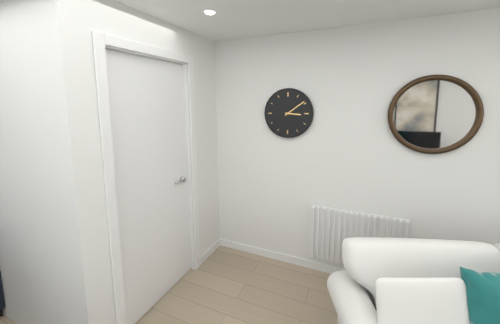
3,09
